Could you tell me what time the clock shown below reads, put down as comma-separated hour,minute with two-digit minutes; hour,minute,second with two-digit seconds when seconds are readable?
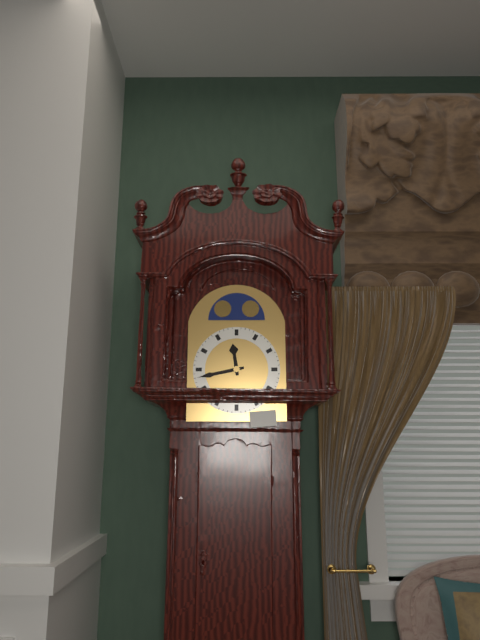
11,43
